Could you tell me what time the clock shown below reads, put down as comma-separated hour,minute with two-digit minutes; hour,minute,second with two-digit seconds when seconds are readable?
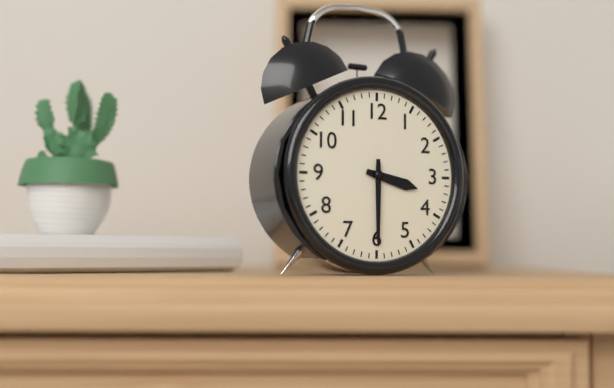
3,30
